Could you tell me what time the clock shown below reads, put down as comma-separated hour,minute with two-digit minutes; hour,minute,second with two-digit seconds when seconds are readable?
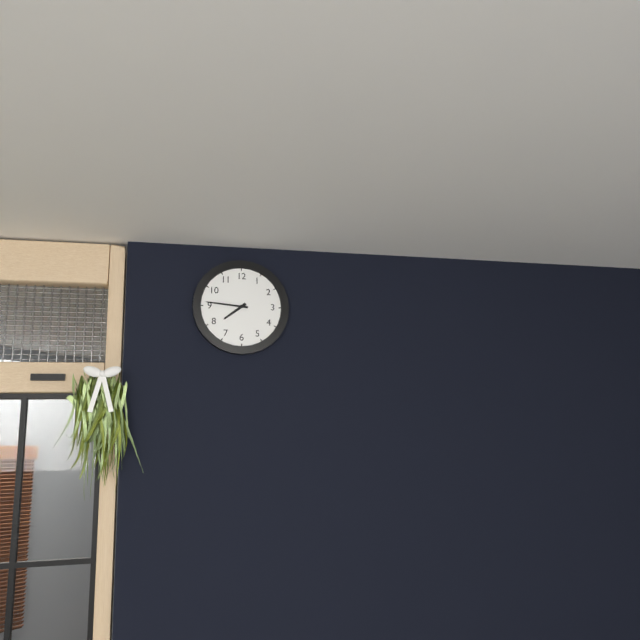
7,46
